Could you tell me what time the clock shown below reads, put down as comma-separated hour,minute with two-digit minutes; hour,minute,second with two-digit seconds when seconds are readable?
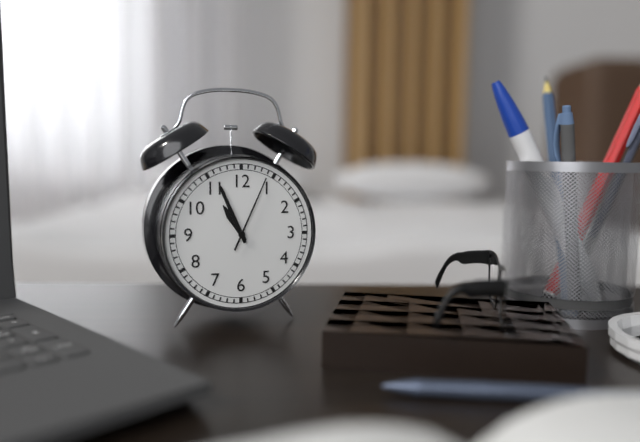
10,56,04
